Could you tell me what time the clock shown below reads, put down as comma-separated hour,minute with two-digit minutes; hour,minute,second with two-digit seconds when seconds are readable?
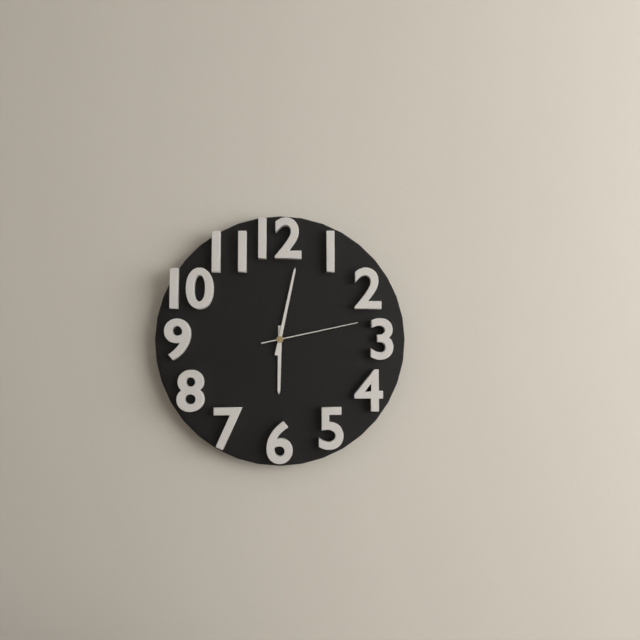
6,02,13
